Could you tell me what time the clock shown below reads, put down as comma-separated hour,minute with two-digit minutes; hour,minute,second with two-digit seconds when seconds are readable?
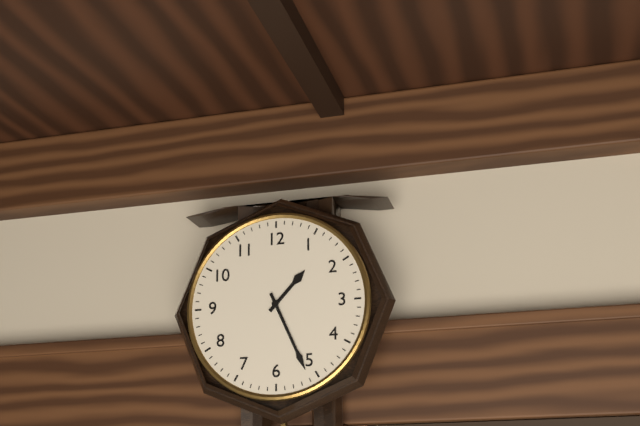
1,26
